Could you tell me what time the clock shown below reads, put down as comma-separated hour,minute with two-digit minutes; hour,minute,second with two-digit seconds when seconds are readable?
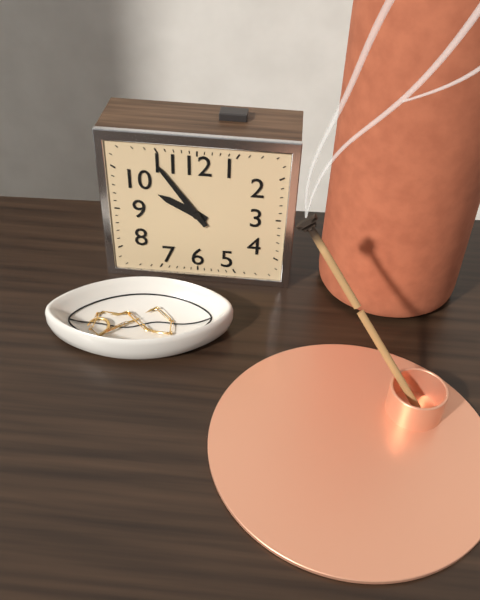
9,54
